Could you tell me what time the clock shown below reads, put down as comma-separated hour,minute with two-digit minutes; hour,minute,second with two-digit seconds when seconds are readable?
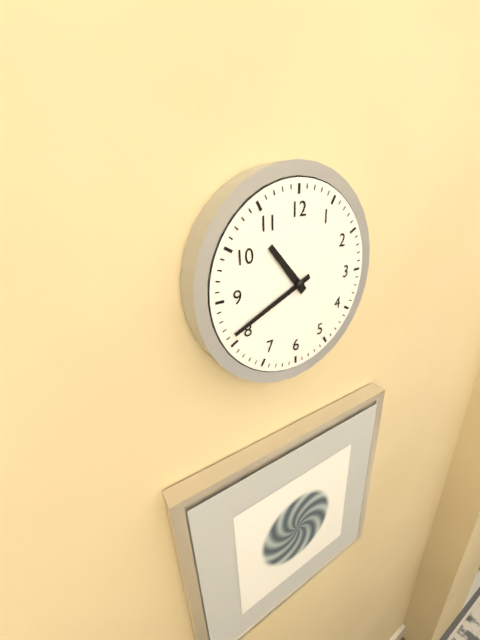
10,41
